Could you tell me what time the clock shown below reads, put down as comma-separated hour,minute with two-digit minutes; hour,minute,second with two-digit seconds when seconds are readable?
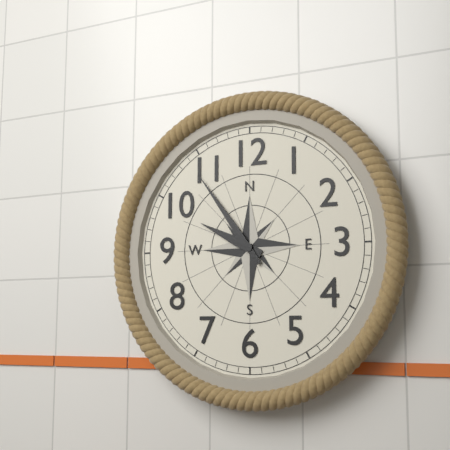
9,54
